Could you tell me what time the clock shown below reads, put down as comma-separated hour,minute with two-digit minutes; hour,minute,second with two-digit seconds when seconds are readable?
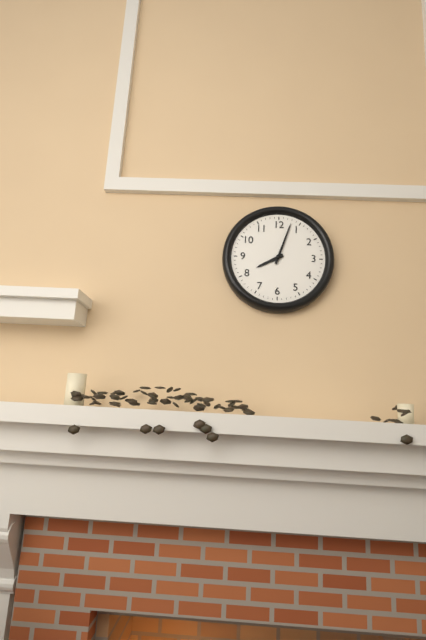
8,03
